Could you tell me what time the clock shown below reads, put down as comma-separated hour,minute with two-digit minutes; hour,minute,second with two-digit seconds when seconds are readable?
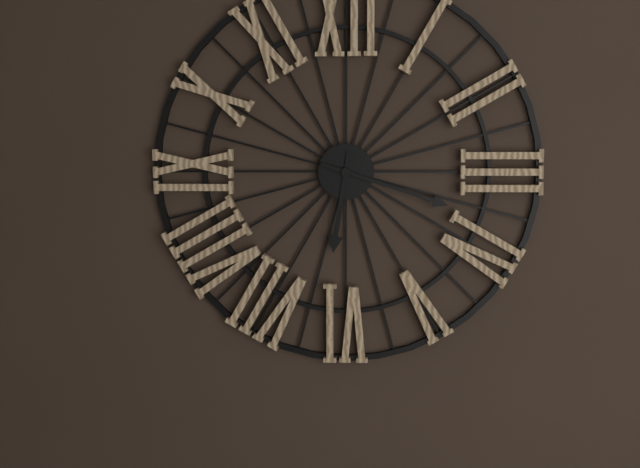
6,18
